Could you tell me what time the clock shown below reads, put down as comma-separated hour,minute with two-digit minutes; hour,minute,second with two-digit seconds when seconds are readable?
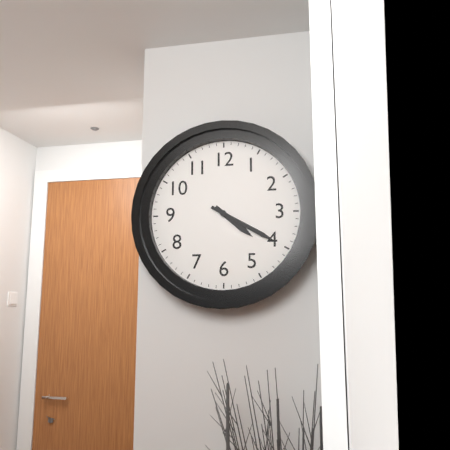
4,20
